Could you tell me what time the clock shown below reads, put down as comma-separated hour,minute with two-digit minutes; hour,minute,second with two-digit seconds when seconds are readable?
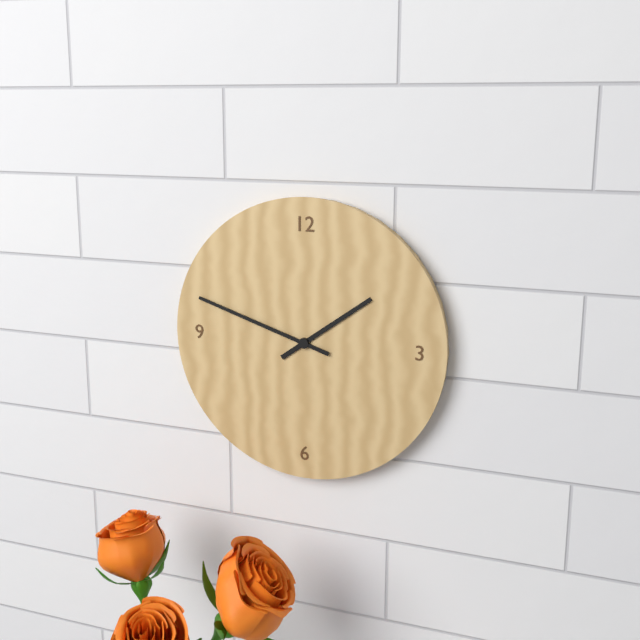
1,48
